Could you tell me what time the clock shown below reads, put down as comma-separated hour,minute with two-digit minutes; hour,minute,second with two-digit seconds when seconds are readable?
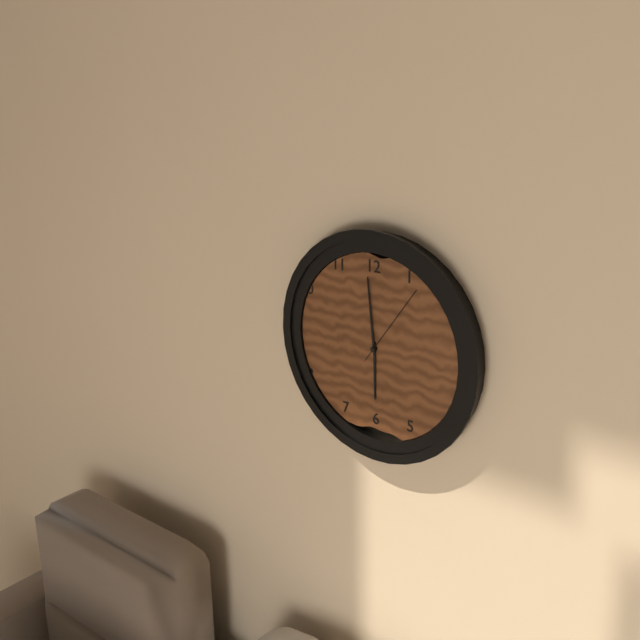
5,59,06
